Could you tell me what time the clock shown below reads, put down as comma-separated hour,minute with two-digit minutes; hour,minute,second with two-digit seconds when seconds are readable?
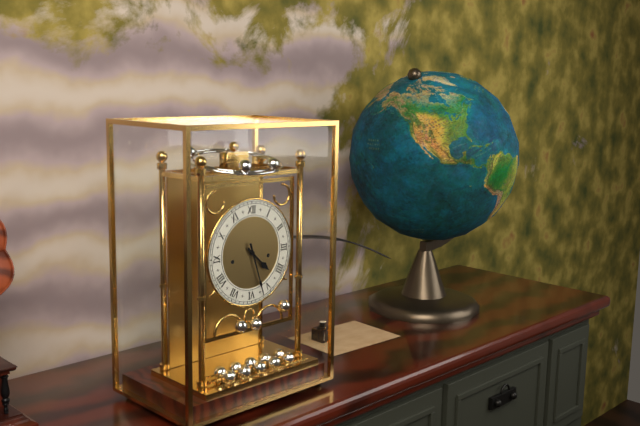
4,27
